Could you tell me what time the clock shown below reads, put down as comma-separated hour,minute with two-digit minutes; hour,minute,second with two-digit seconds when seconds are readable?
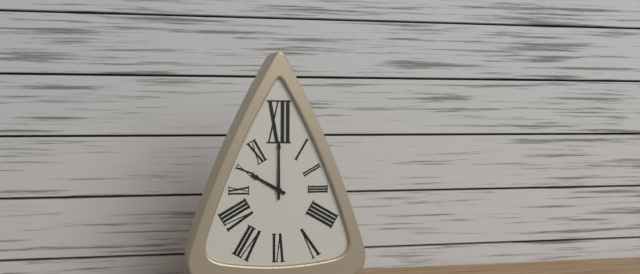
10,00
